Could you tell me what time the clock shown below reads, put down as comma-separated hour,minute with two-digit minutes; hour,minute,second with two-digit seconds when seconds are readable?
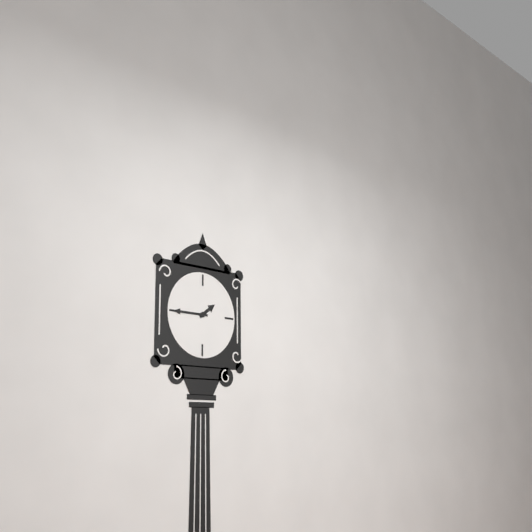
1,45
